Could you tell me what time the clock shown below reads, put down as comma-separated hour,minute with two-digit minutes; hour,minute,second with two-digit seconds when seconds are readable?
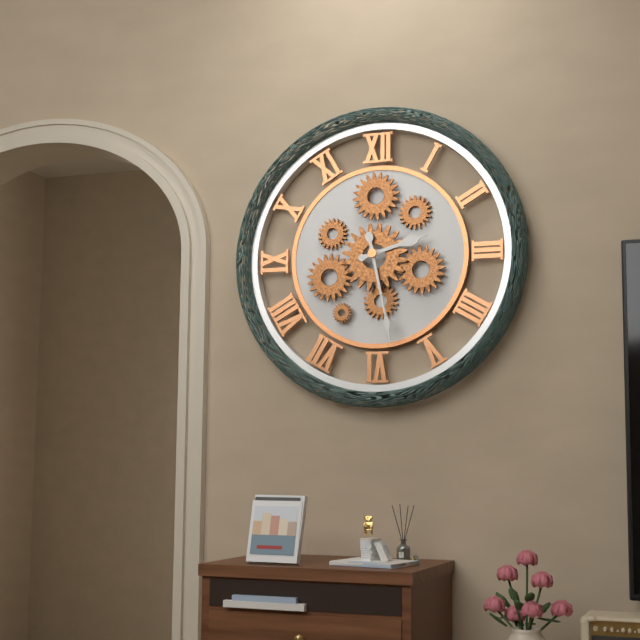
2,28
